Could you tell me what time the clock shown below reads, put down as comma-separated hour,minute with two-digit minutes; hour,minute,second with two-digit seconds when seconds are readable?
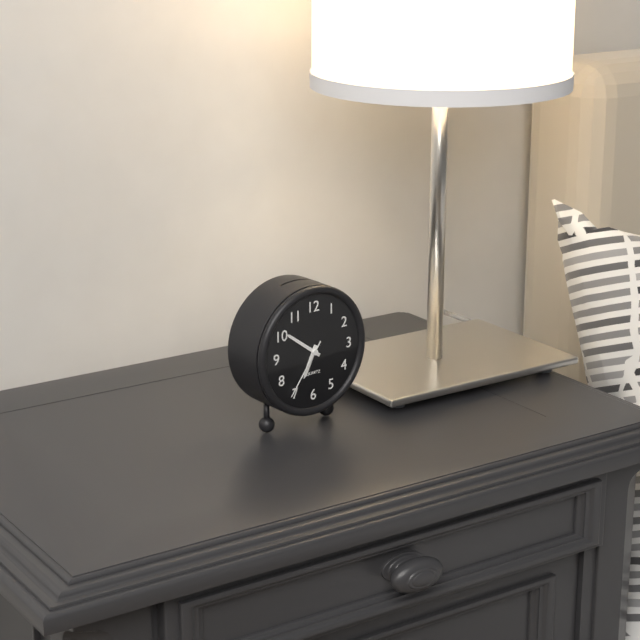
6,51,36
